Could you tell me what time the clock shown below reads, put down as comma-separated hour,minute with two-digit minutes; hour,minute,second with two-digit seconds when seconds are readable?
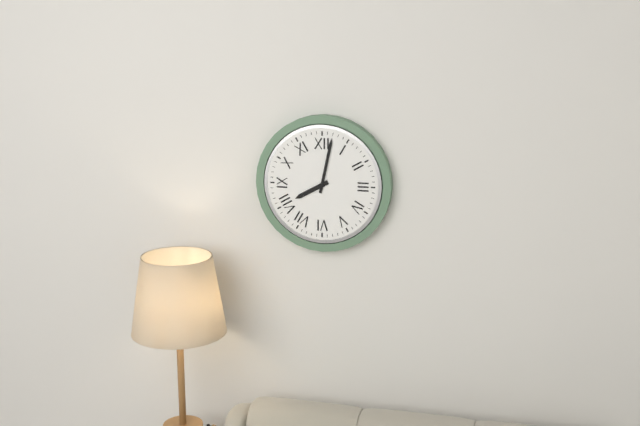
8,02
